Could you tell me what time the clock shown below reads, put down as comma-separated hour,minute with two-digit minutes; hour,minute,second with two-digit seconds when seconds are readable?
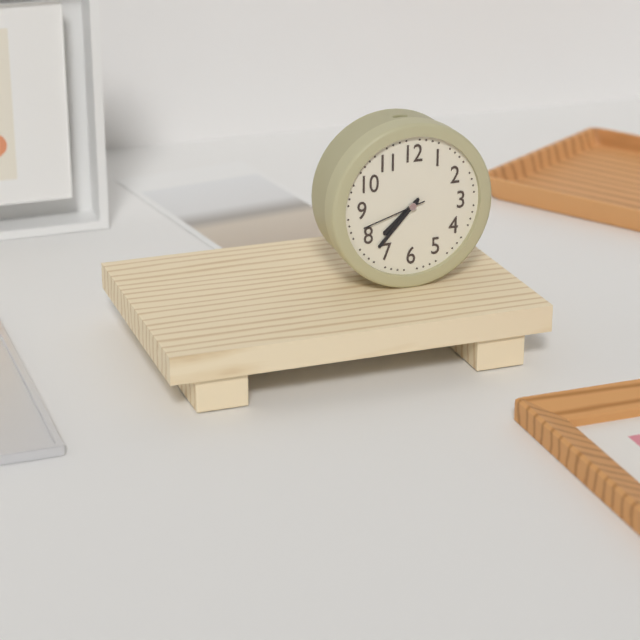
7,37,42
